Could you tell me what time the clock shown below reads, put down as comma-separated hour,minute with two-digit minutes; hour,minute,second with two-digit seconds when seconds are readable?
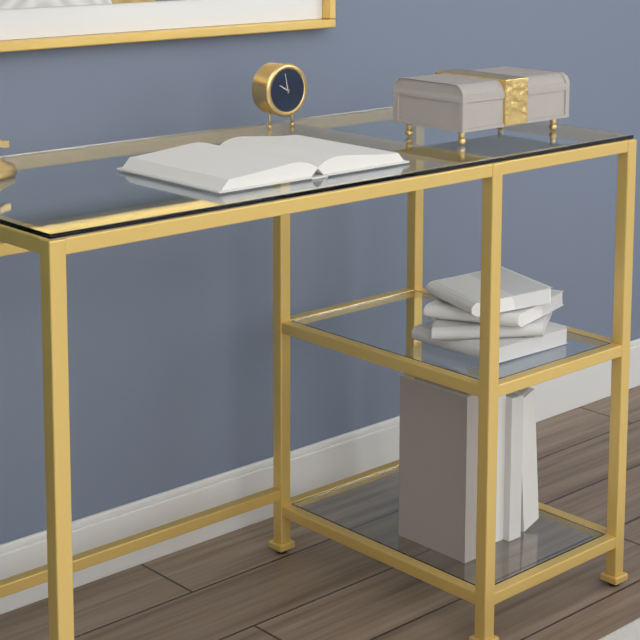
9,58
